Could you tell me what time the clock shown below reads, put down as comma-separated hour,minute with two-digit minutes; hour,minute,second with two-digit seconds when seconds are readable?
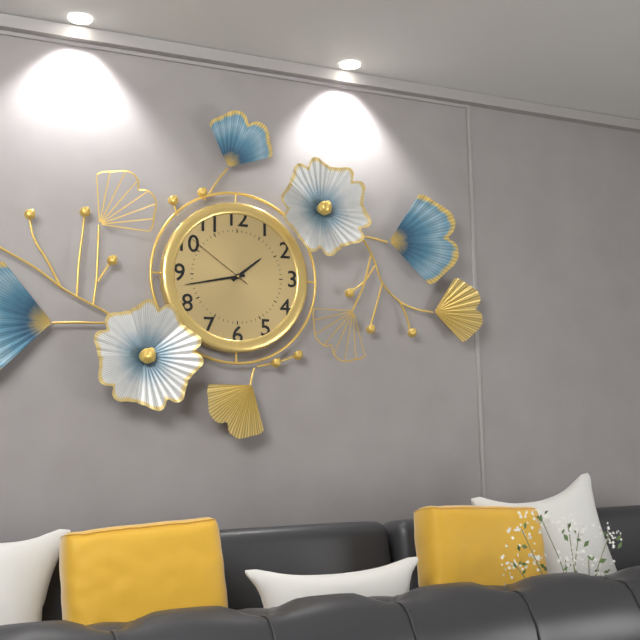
1,43,51
